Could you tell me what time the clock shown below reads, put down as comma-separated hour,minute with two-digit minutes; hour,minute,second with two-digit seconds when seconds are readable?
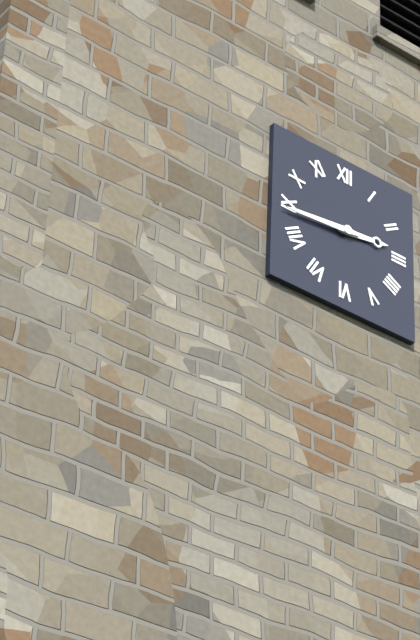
2,44
